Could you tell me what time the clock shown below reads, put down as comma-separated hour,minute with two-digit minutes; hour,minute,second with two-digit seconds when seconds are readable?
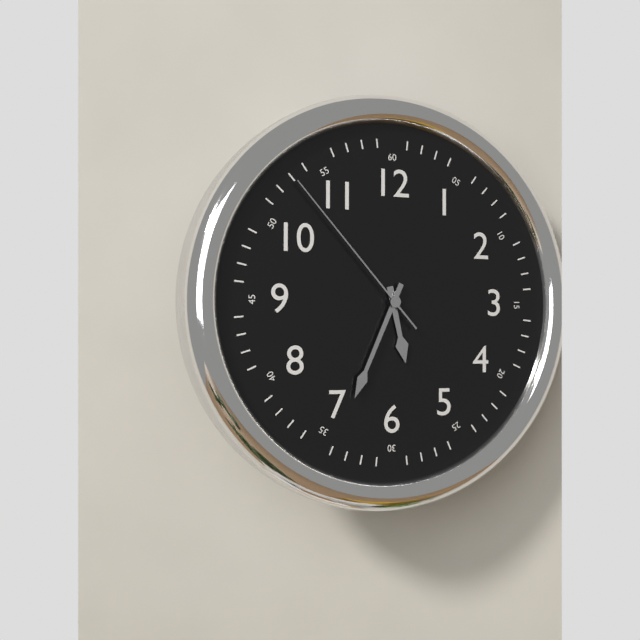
5,34,53
